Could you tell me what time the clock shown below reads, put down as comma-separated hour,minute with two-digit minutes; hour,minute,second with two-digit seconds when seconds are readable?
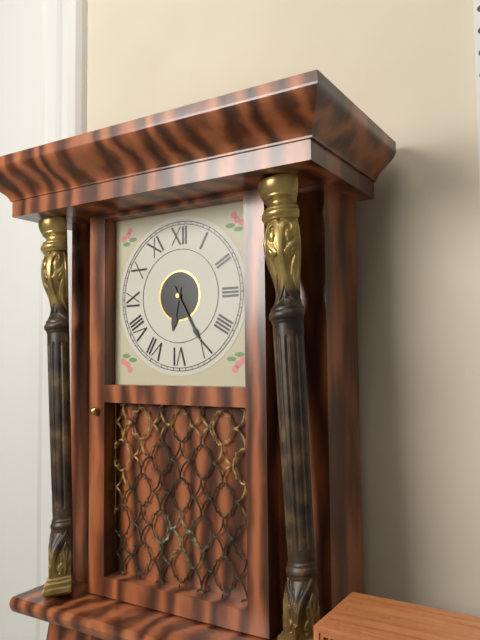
6,25
